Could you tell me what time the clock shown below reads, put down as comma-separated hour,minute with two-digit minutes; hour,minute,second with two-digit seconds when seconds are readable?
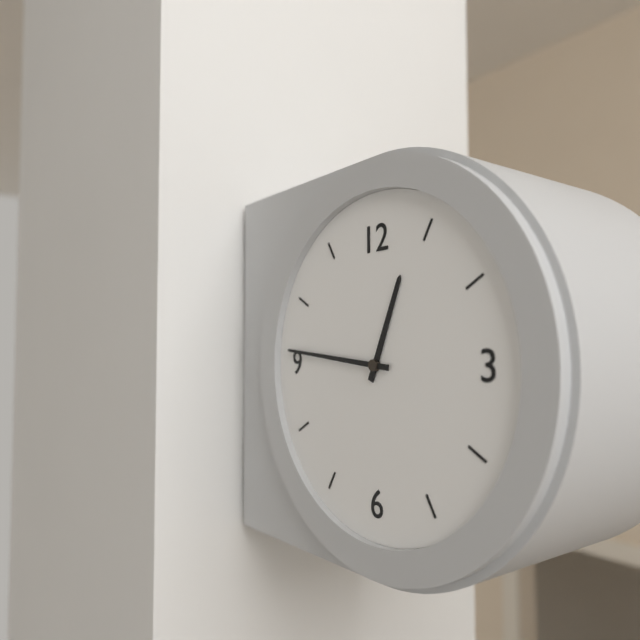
12,46
